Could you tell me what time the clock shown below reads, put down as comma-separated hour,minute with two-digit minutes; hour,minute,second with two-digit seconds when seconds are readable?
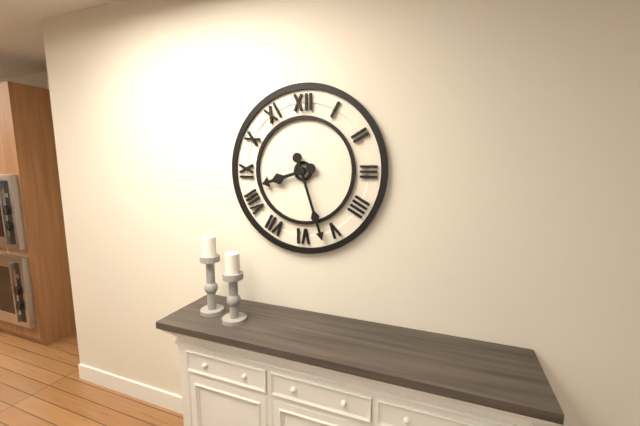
8,27
